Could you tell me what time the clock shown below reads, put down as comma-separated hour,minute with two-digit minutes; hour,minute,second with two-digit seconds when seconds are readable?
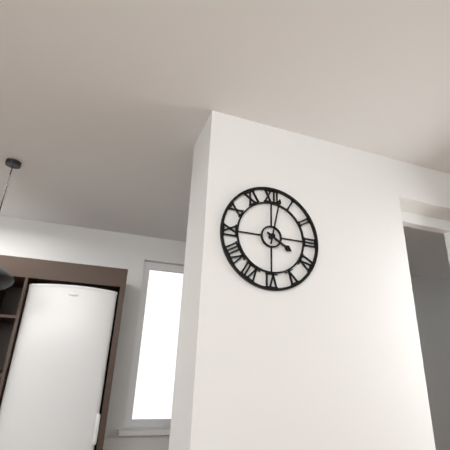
4,02
